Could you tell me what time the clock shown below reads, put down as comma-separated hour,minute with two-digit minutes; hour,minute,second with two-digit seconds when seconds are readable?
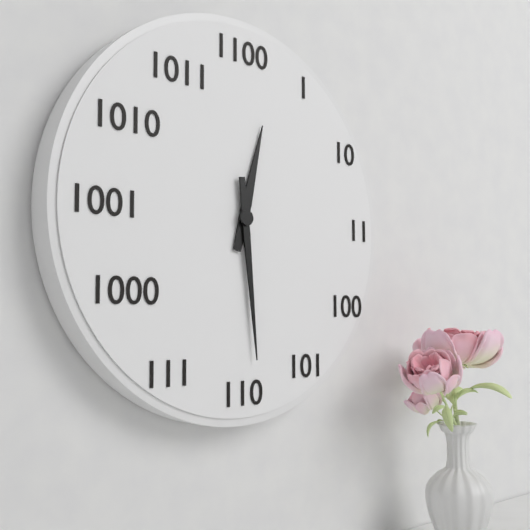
12,29
